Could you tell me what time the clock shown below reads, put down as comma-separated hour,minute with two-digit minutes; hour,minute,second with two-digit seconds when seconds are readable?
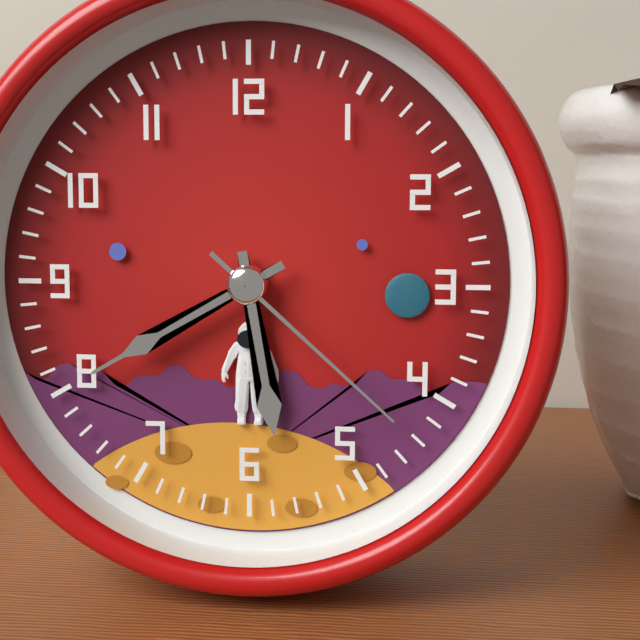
5,40,22
